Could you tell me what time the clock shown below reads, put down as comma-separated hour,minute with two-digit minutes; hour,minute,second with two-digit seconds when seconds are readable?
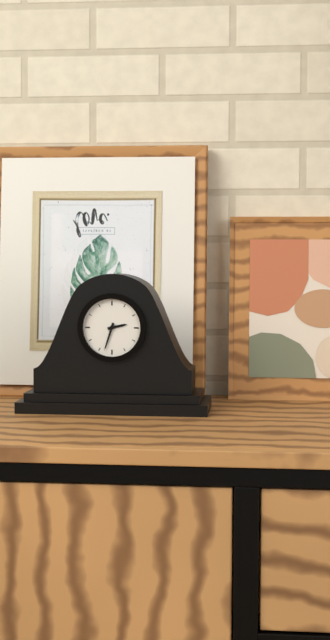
2,33
